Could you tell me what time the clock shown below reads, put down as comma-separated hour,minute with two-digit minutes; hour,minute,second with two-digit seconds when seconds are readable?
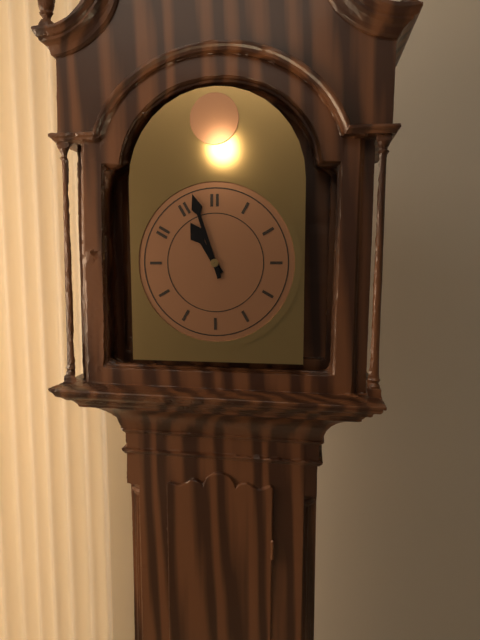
10,57
